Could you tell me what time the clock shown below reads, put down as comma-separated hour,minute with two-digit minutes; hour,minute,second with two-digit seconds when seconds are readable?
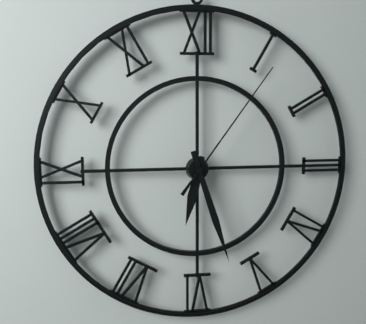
6,27,06
